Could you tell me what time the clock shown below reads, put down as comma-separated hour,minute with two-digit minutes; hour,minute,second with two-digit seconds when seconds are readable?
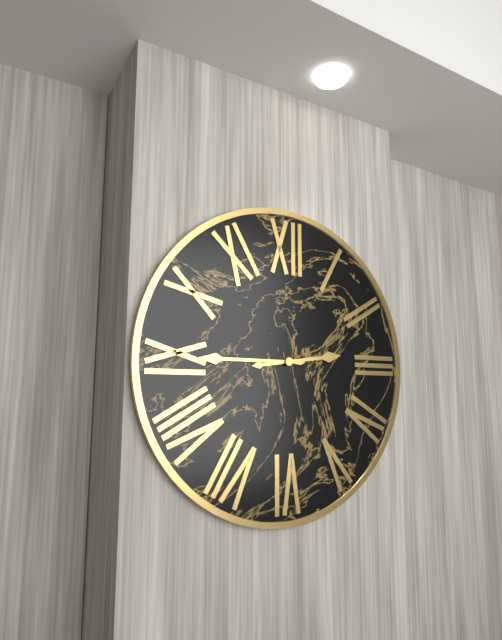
2,45
